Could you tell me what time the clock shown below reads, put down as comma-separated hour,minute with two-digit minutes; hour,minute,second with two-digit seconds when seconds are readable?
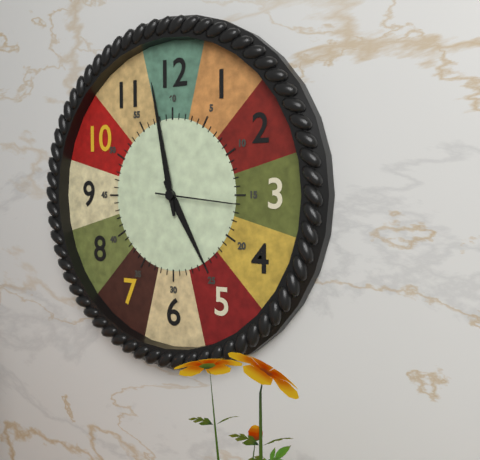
4,58,16
